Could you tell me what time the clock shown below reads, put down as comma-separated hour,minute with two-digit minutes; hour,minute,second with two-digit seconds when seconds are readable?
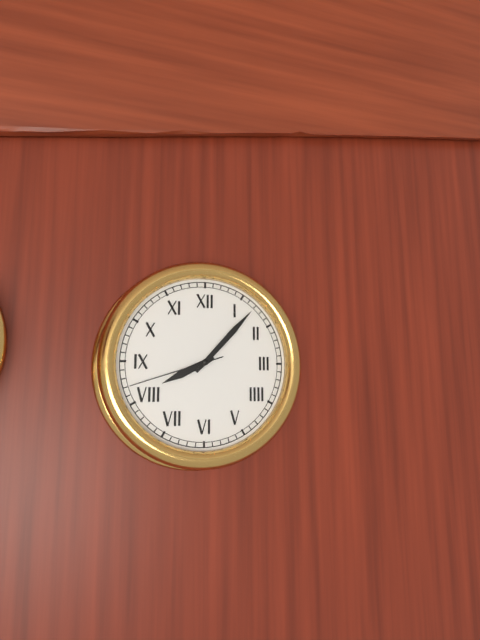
8,07,42
